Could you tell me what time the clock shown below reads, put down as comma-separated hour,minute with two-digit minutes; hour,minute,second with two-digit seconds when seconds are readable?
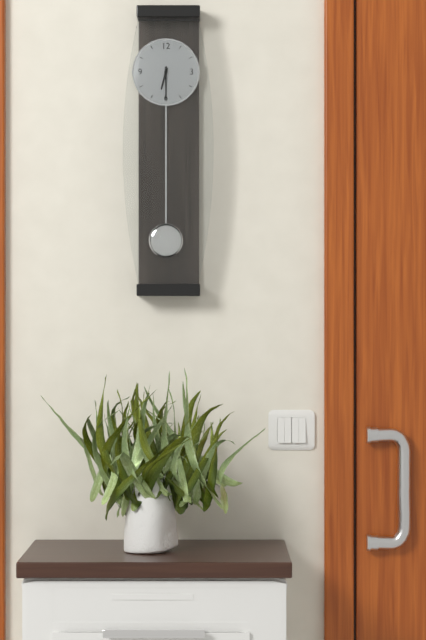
6,30
